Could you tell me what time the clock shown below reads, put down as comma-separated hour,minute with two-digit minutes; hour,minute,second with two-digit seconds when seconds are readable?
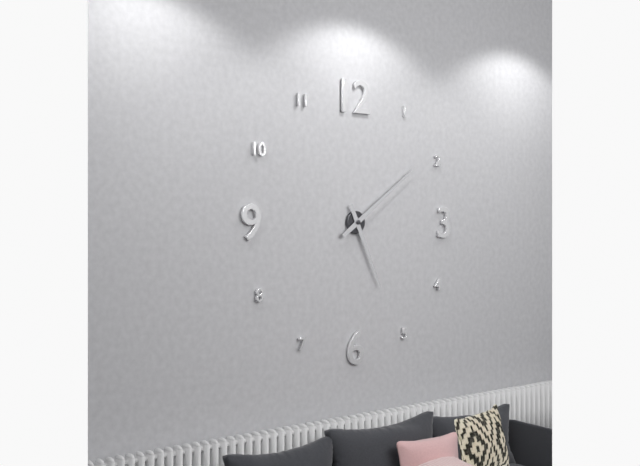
5,09
